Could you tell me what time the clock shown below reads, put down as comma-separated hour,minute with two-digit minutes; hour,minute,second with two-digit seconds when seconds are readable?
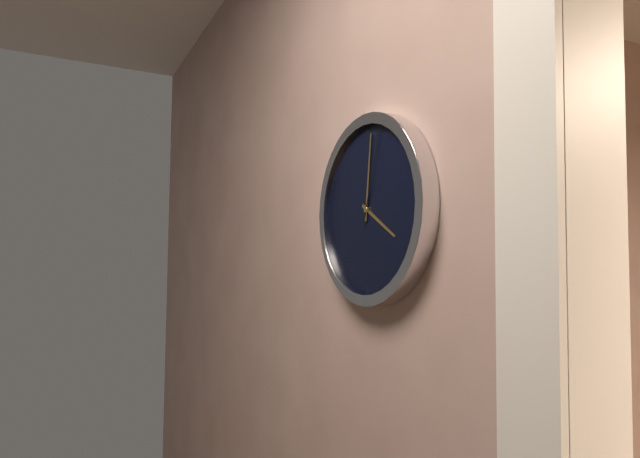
4,01,03
